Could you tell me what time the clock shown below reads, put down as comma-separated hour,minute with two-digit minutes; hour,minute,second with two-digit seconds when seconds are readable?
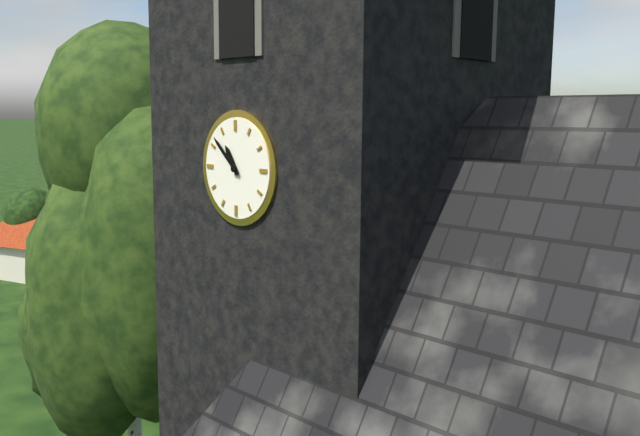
10,52
